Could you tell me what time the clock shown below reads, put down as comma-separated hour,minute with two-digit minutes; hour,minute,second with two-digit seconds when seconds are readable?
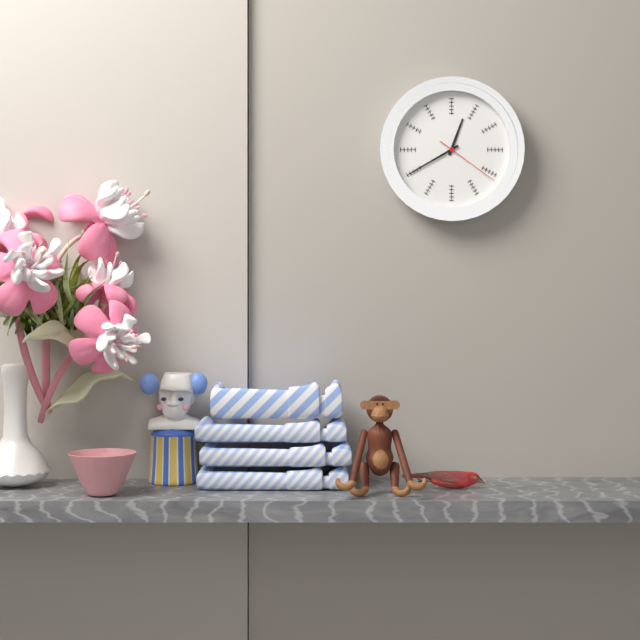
12,40,21
